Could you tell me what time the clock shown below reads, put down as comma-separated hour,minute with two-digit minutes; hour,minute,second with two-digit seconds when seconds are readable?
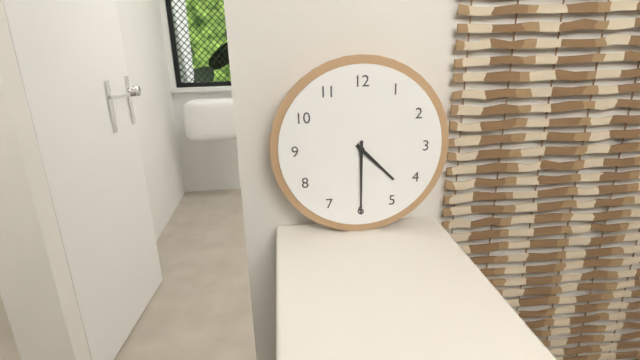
4,30
